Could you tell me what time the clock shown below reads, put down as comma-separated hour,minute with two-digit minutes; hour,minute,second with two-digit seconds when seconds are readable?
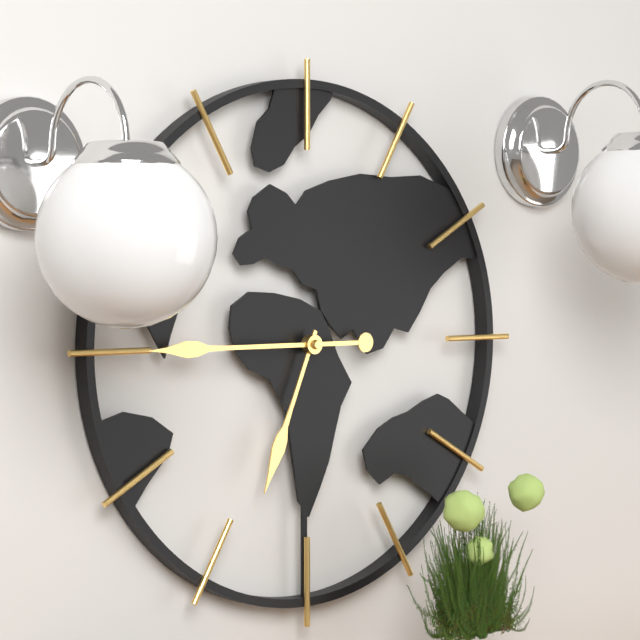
6,45
